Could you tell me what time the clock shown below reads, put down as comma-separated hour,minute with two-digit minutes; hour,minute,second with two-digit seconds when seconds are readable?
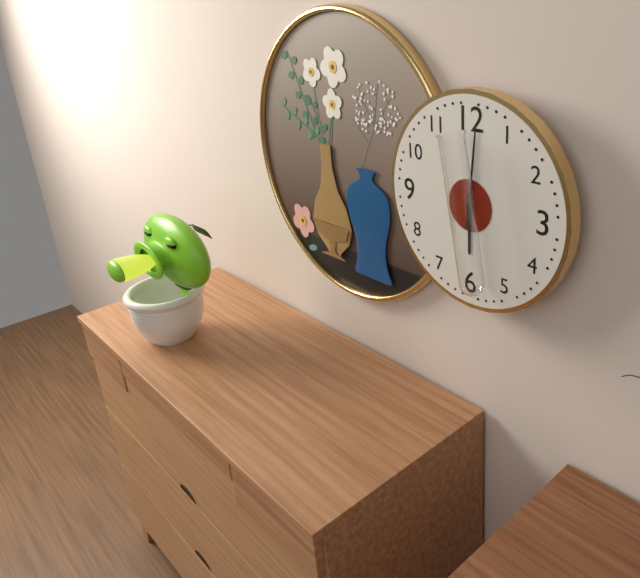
6,01
